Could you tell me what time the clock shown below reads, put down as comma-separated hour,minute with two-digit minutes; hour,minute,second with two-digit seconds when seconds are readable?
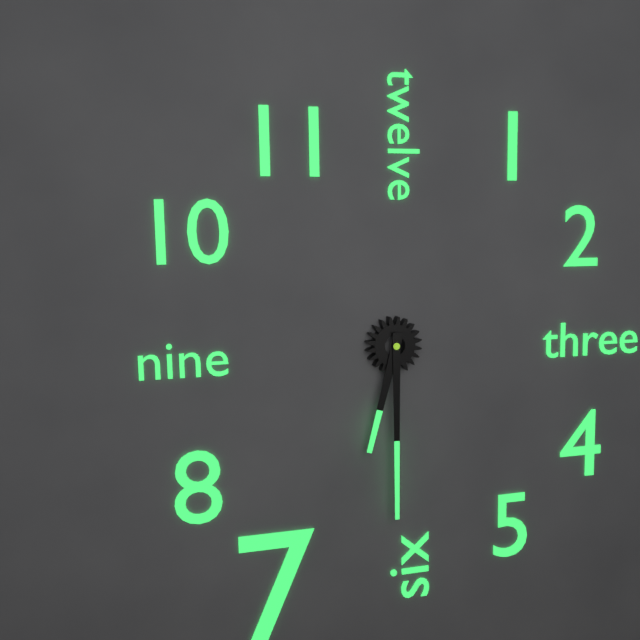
6,30
